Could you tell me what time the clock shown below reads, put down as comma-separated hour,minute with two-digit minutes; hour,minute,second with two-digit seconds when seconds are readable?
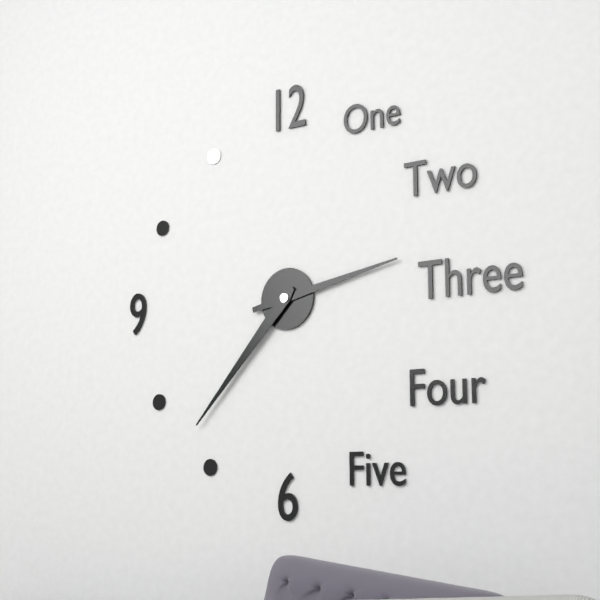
2,37
